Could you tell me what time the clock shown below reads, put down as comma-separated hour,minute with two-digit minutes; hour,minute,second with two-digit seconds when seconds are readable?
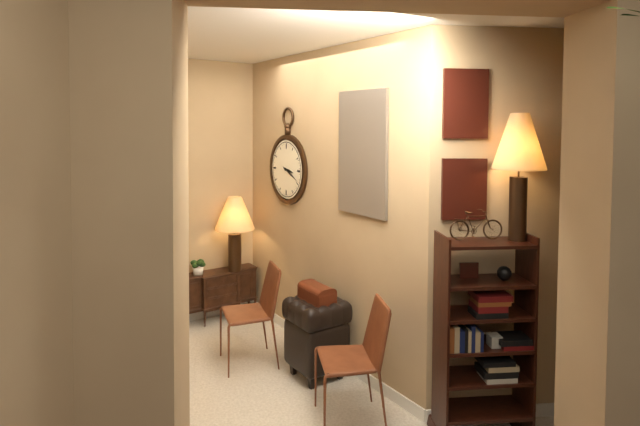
3,19
